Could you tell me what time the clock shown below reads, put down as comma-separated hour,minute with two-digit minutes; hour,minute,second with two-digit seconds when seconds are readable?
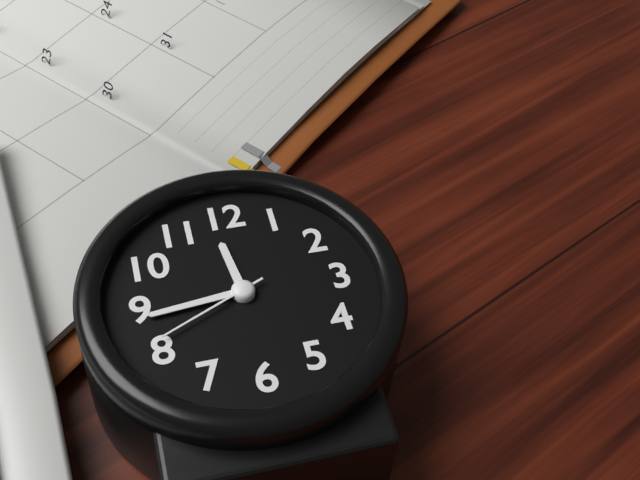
11,44,41
